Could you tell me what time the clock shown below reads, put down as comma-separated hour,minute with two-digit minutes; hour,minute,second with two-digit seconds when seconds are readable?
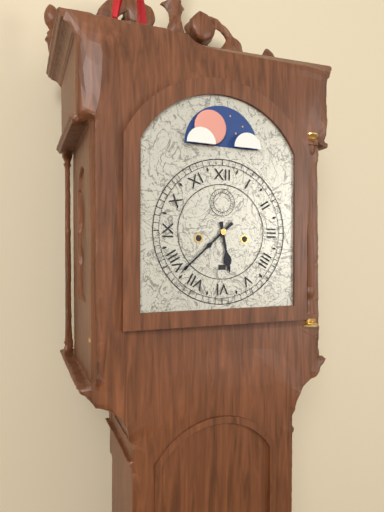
5,38
